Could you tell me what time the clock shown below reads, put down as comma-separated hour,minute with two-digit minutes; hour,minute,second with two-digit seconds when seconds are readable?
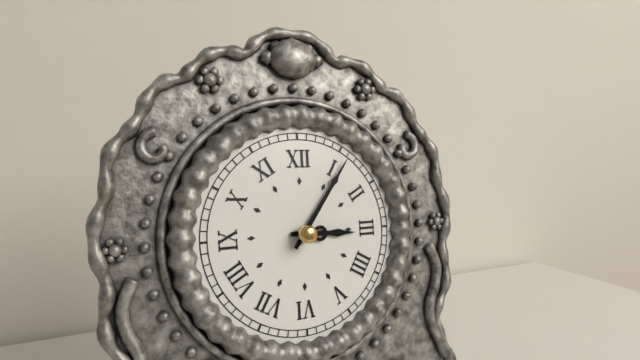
3,06
